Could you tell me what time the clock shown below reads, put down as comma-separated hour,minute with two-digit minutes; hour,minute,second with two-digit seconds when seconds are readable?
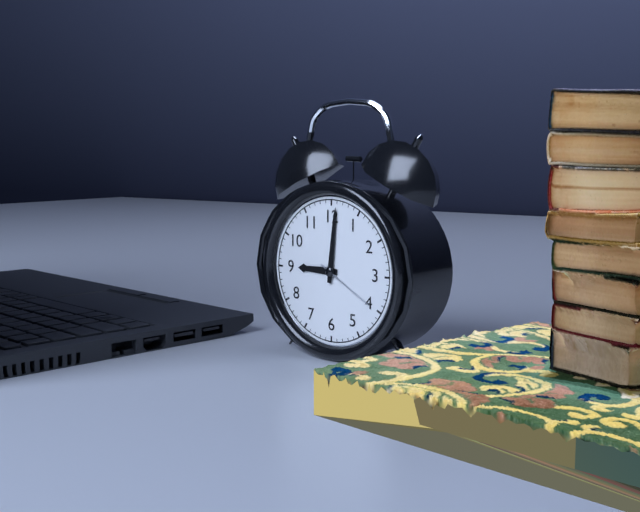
9,01,20
